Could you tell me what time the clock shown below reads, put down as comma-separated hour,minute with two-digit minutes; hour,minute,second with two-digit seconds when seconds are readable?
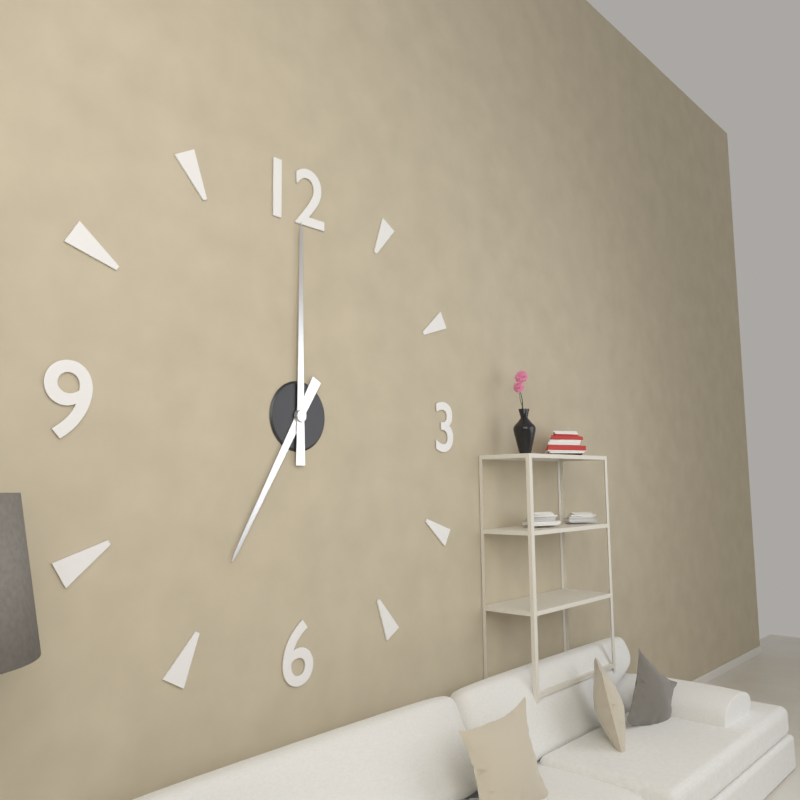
7,00
